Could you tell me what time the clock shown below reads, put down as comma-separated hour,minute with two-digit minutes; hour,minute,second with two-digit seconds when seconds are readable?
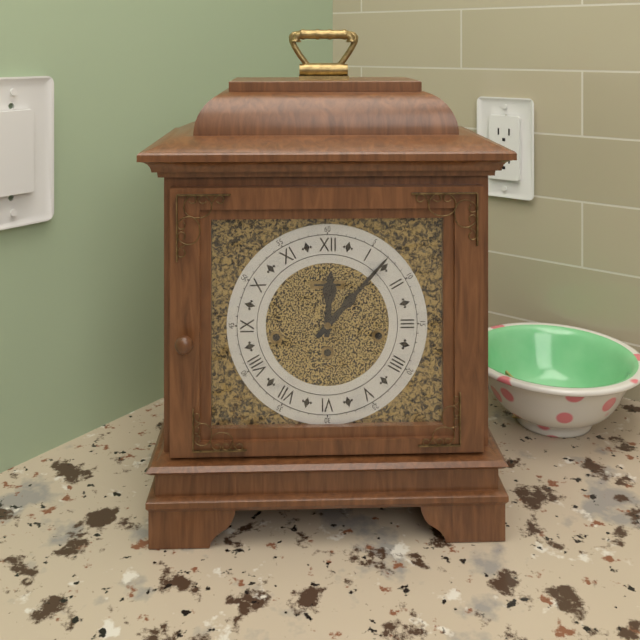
12,07
